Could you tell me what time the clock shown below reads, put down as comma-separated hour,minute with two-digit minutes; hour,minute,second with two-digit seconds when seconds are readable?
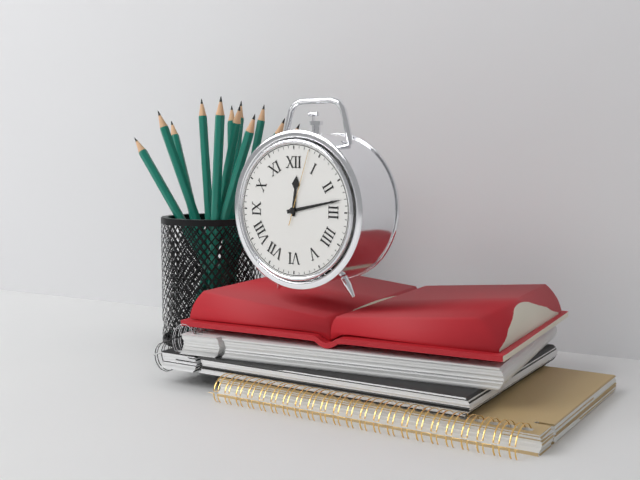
12,13,03
